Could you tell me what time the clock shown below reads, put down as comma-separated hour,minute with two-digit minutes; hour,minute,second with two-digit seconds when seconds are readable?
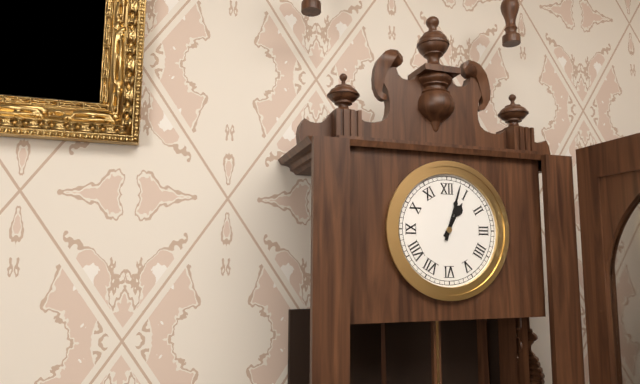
1,03
